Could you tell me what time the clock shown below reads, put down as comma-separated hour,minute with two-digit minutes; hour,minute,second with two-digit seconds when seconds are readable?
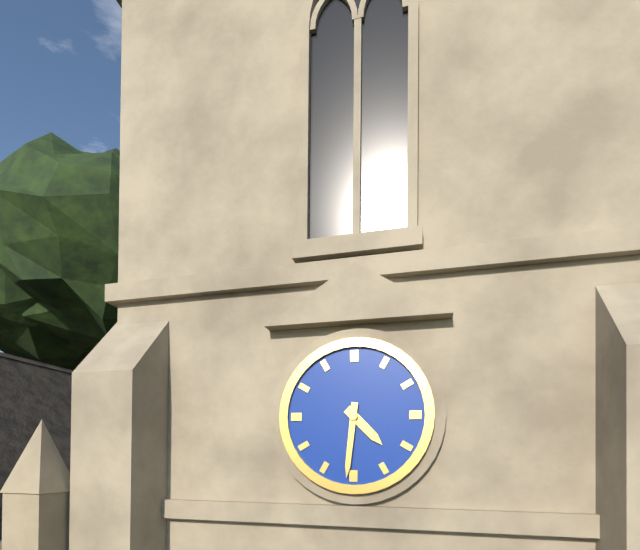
4,31
